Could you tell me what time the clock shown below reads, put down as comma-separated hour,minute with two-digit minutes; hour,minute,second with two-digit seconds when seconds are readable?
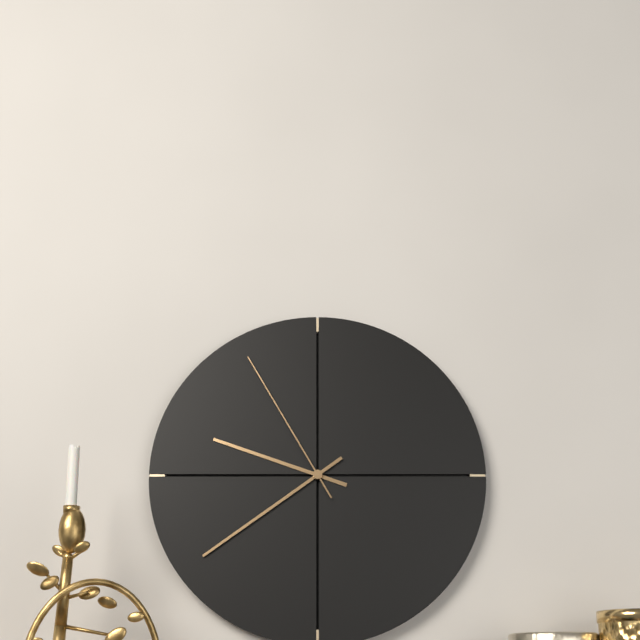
9,39,55
